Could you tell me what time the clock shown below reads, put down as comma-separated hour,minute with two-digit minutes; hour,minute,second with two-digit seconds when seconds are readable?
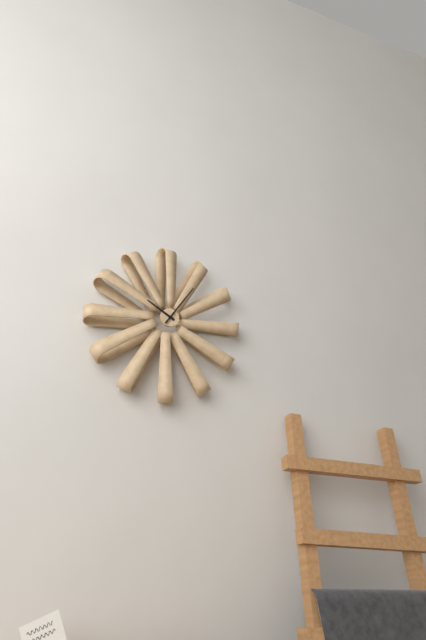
10,06
